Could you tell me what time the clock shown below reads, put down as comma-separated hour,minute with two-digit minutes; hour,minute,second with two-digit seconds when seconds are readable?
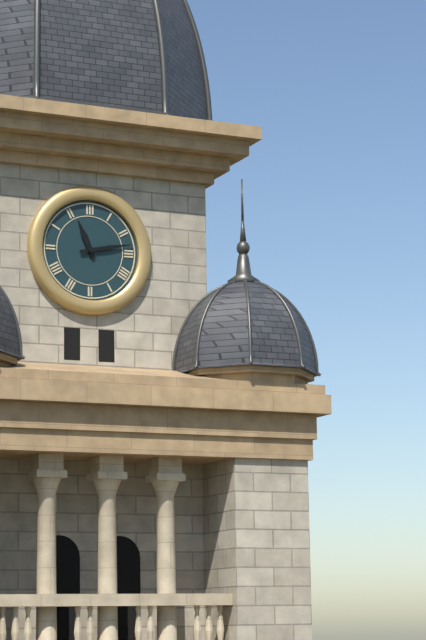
11,13
